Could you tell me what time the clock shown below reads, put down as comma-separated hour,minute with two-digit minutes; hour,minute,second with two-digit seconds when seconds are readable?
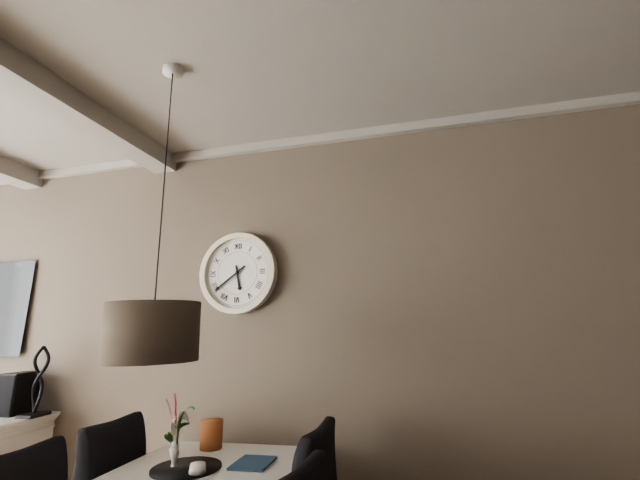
5,39
